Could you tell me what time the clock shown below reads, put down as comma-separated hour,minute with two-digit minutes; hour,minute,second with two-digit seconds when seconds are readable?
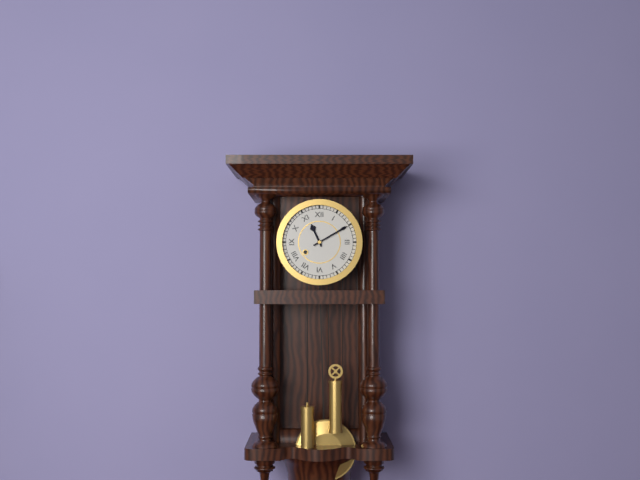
11,10
